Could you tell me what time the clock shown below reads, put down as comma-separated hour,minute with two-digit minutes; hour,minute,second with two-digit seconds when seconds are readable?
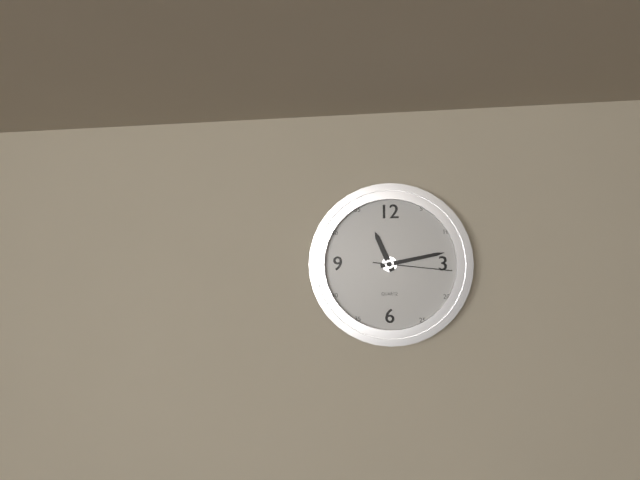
11,13,16
